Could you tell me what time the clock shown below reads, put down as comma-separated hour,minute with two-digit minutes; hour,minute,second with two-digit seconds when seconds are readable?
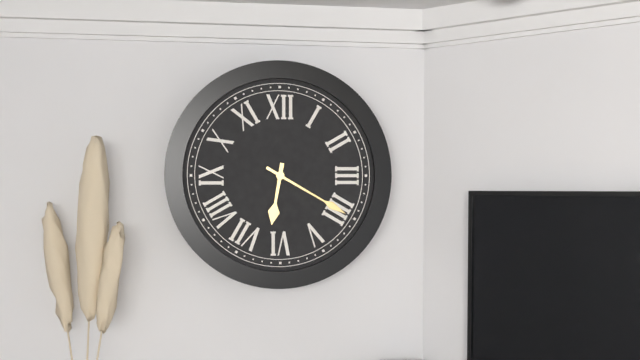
6,20
